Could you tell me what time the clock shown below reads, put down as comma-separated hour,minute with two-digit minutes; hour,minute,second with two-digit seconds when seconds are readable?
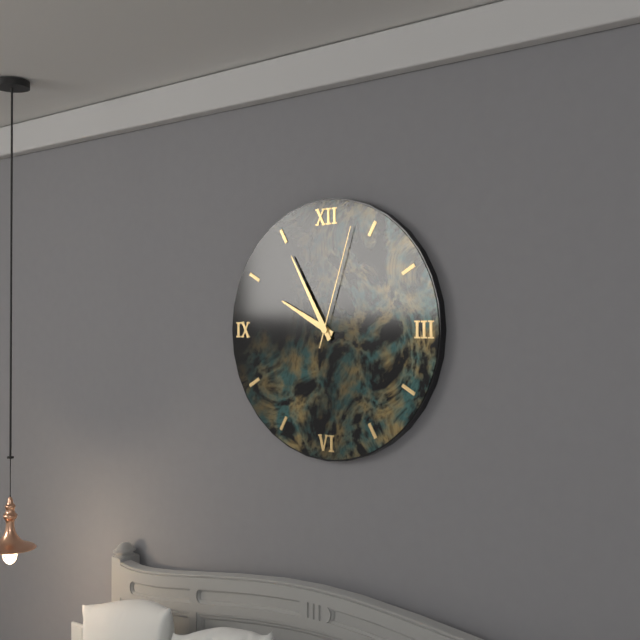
9,55,03
